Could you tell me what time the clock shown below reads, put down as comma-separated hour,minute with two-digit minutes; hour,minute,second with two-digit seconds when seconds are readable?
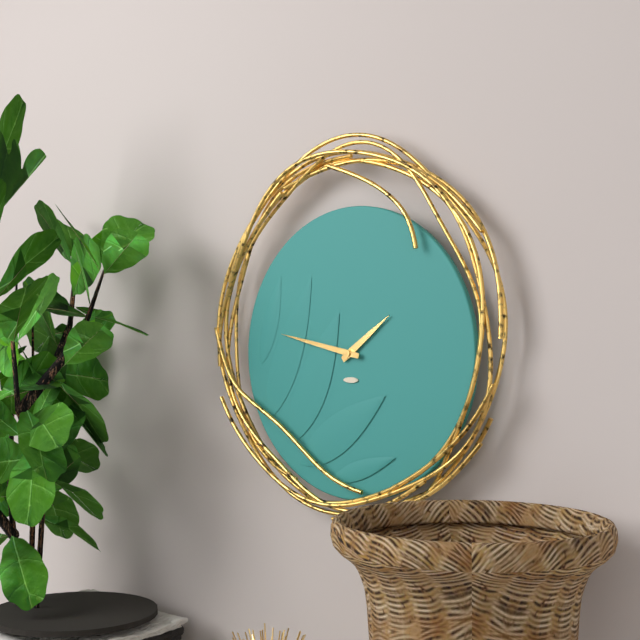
1,47
